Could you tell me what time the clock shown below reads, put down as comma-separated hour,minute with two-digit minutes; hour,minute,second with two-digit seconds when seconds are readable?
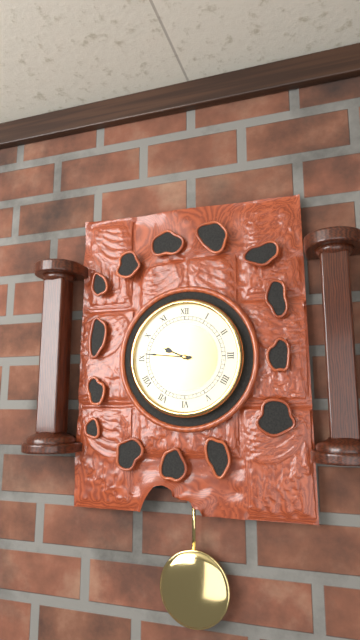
9,46
